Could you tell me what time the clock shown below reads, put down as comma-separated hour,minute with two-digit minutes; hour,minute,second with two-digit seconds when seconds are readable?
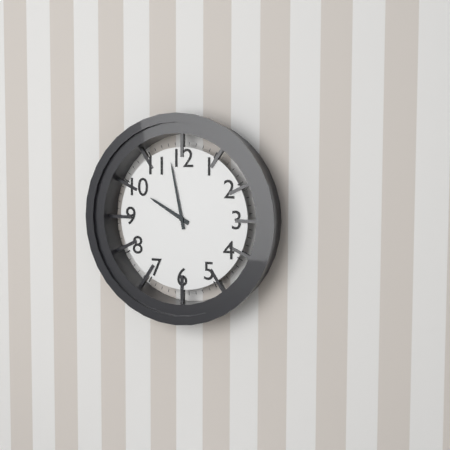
9,58
